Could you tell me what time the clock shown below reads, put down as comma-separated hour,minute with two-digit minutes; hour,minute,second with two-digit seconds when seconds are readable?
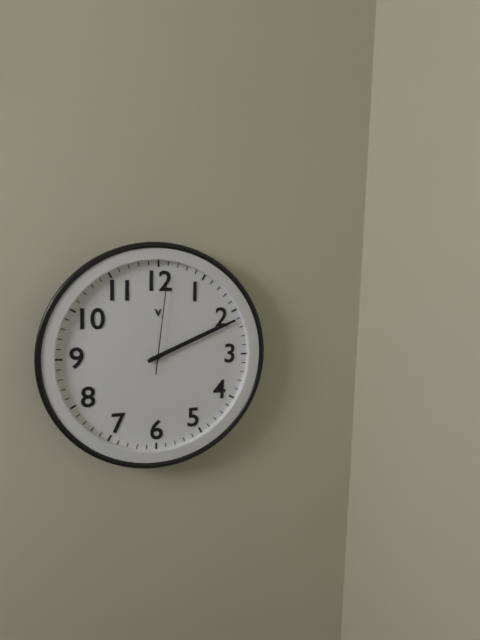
2,11,01
